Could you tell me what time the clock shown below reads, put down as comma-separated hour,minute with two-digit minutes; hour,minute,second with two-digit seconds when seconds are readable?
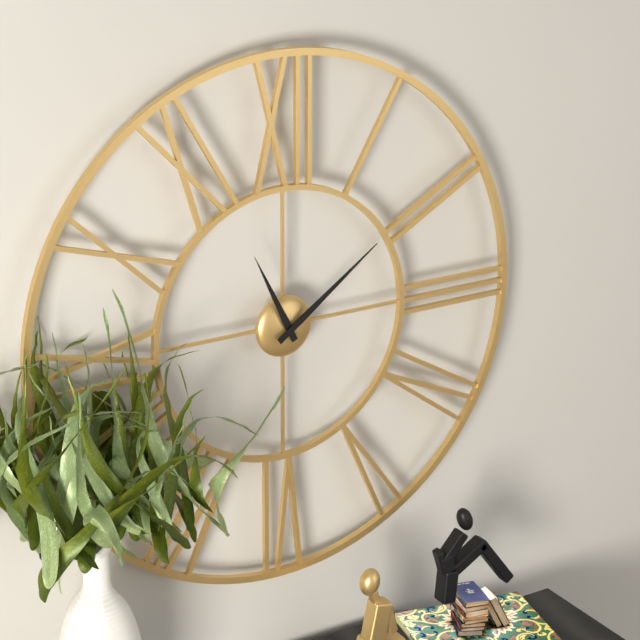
11,09
